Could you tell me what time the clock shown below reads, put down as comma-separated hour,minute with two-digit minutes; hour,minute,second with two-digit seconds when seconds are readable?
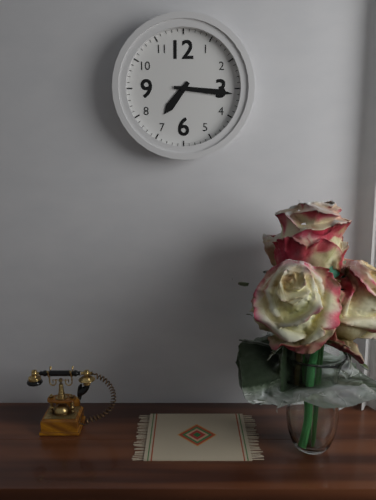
7,16
